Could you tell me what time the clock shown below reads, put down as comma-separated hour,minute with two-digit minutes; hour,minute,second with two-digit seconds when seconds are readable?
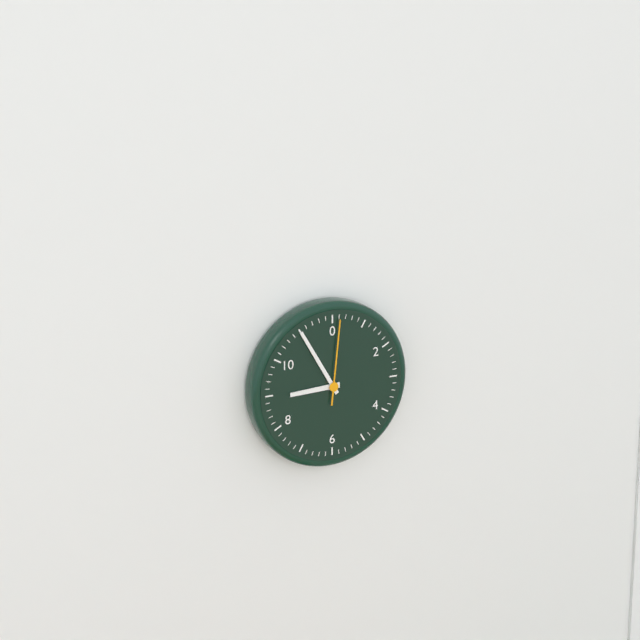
8,55,01
